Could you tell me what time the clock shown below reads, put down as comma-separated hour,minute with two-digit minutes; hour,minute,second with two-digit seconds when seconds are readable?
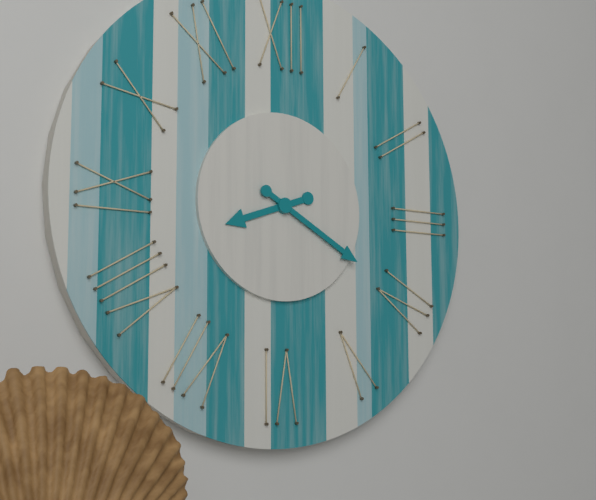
8,20
